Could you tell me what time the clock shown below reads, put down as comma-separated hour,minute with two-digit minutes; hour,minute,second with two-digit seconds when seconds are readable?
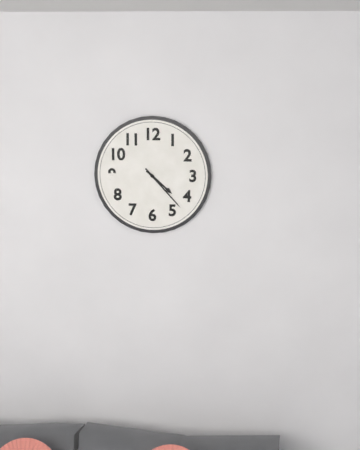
4,23
